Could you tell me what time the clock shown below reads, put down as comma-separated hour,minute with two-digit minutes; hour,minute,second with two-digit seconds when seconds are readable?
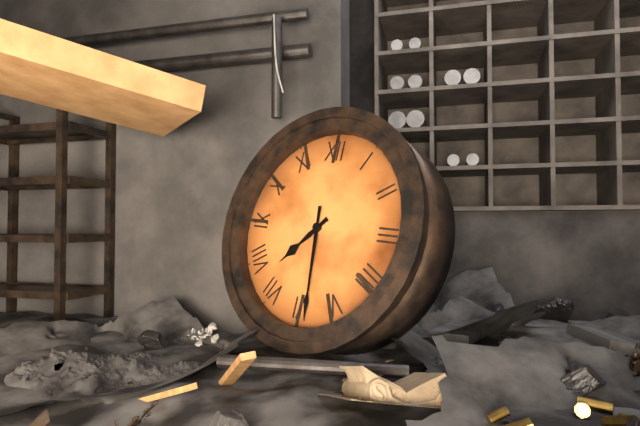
7,29
